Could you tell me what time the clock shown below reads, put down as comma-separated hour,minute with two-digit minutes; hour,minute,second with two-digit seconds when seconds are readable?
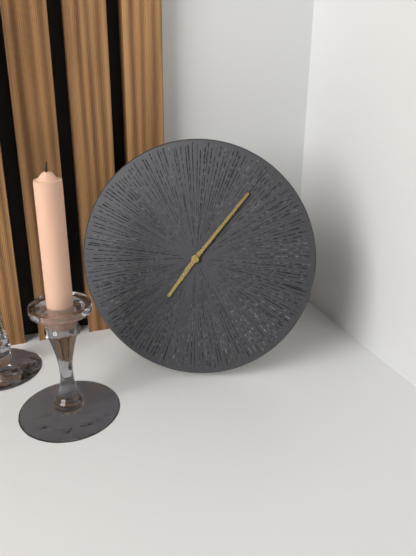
7,06
